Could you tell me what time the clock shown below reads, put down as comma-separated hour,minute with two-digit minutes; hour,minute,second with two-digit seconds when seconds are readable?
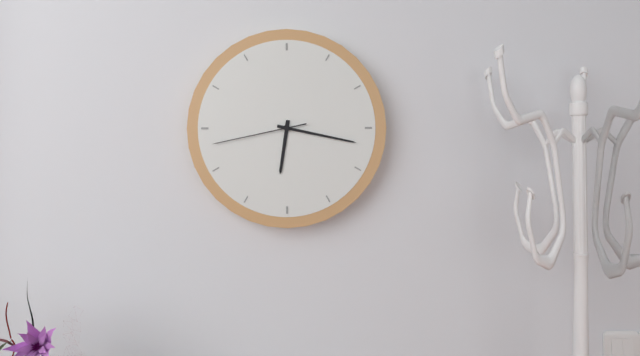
6,17,43
